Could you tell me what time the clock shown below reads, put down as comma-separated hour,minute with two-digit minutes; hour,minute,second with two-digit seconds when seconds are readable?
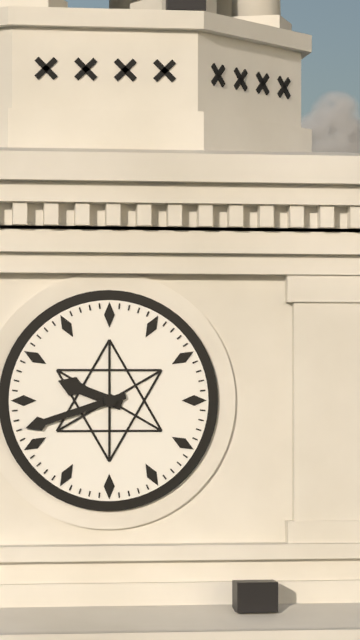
9,42
